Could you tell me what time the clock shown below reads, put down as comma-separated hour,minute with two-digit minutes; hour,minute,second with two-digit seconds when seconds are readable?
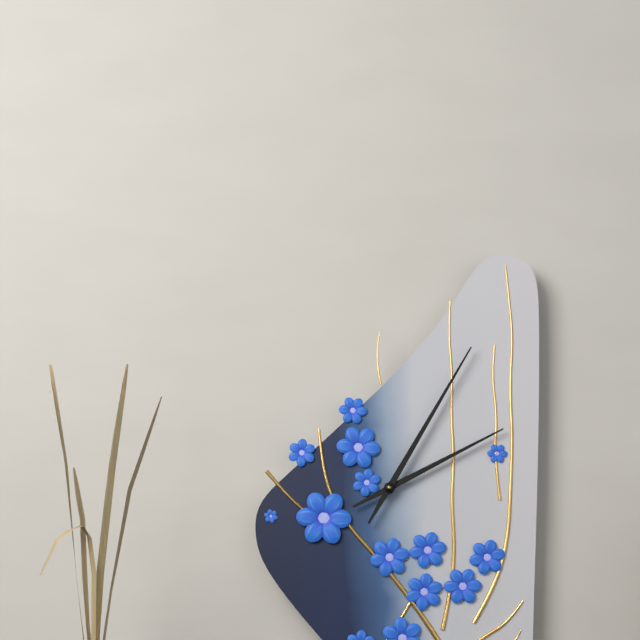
2,05
